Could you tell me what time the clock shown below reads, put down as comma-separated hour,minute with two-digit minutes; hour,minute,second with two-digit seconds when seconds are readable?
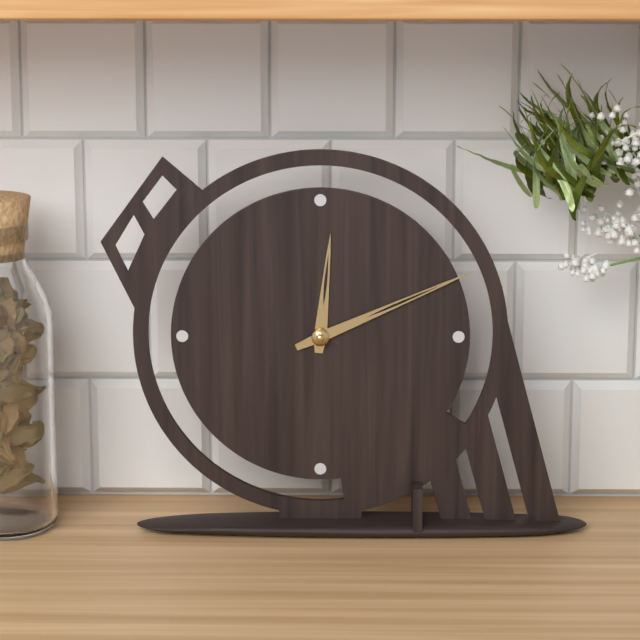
12,11
